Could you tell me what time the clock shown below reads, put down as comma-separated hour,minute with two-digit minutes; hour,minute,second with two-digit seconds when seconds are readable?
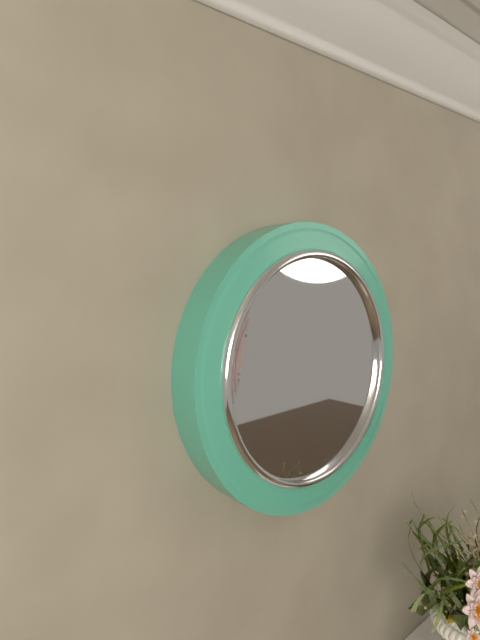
7,41
